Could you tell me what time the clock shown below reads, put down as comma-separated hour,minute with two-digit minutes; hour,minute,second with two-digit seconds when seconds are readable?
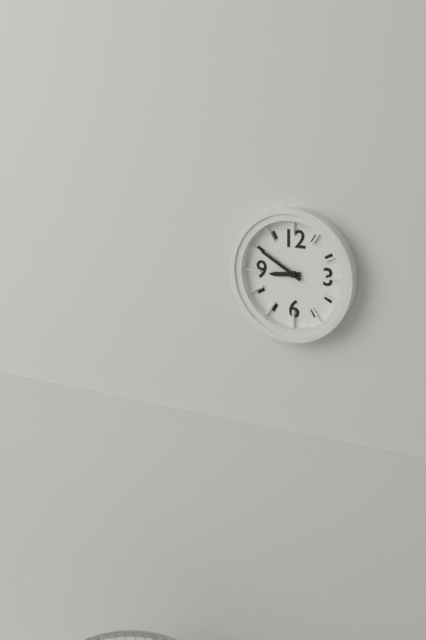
8,50
